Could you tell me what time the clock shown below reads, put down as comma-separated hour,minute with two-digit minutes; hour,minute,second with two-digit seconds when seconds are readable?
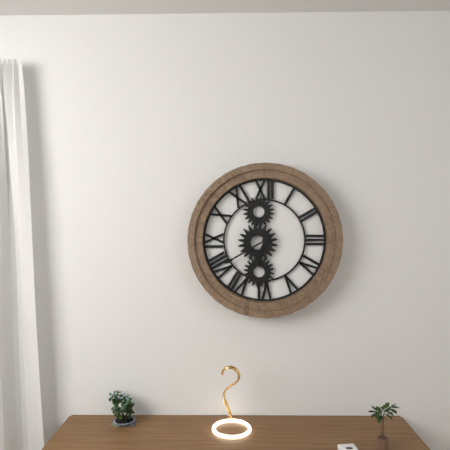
6,40
